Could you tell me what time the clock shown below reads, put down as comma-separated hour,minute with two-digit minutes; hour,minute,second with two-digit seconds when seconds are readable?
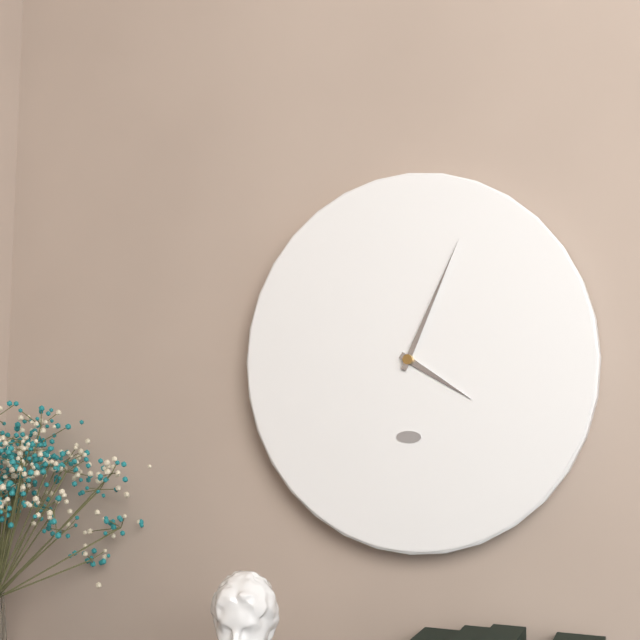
4,04
